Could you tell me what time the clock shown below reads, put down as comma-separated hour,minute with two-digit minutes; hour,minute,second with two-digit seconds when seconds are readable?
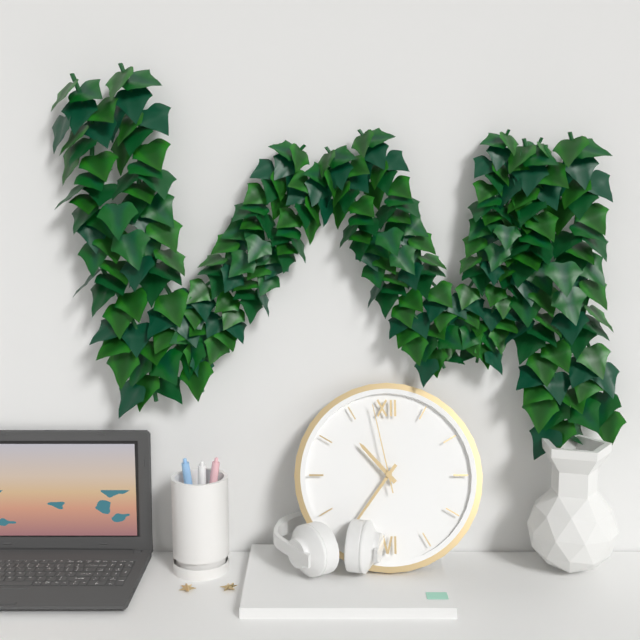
10,36,58
